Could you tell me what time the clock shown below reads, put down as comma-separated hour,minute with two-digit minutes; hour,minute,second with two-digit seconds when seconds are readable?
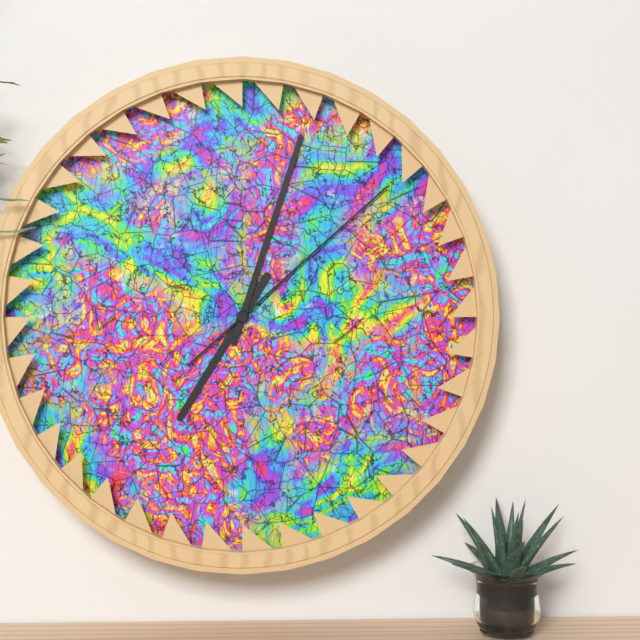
7,03,08
